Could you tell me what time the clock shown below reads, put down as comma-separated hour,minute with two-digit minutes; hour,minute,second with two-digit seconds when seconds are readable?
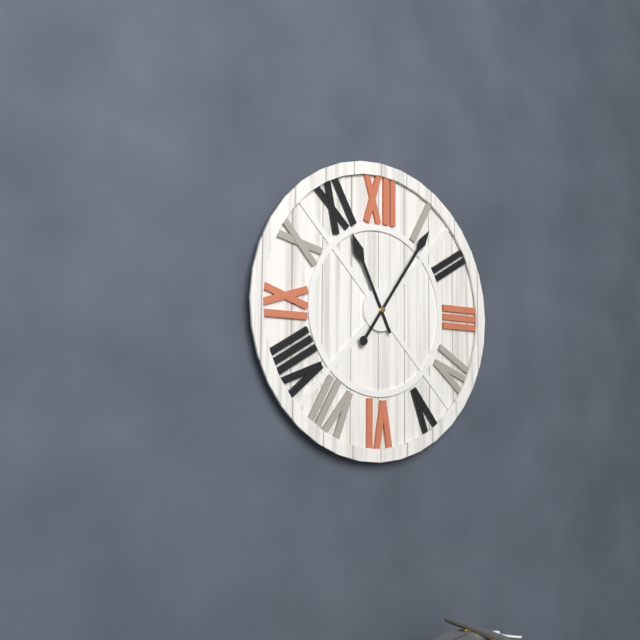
11,06
